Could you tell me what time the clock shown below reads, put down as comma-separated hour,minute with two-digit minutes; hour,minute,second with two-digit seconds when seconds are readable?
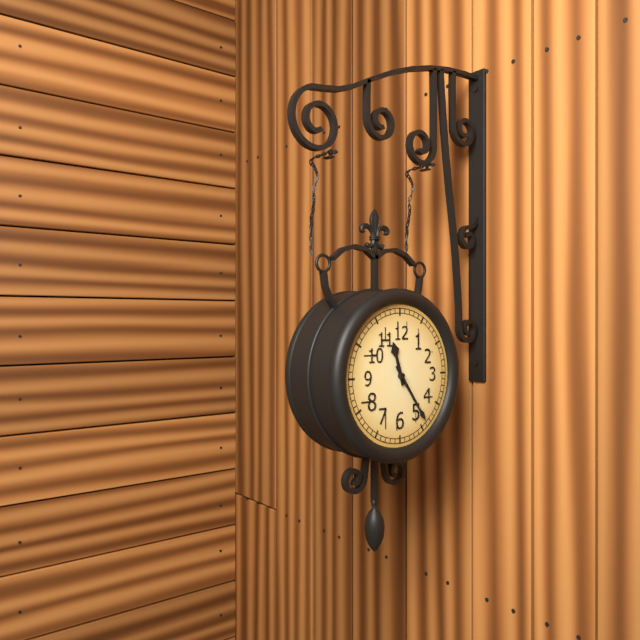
11,24
